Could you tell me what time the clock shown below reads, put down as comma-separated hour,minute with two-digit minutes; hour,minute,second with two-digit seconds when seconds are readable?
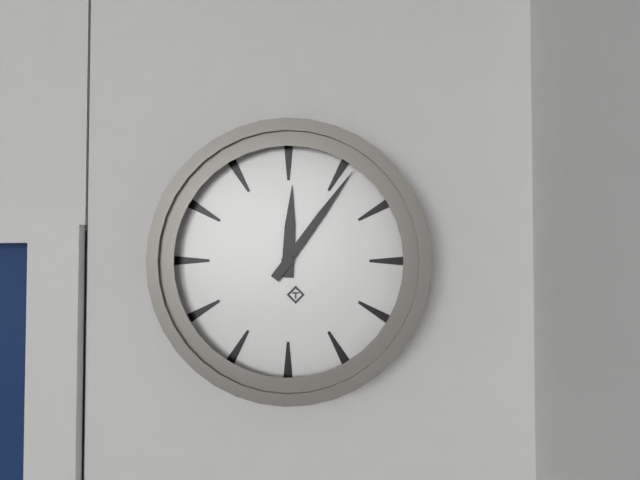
12,06
